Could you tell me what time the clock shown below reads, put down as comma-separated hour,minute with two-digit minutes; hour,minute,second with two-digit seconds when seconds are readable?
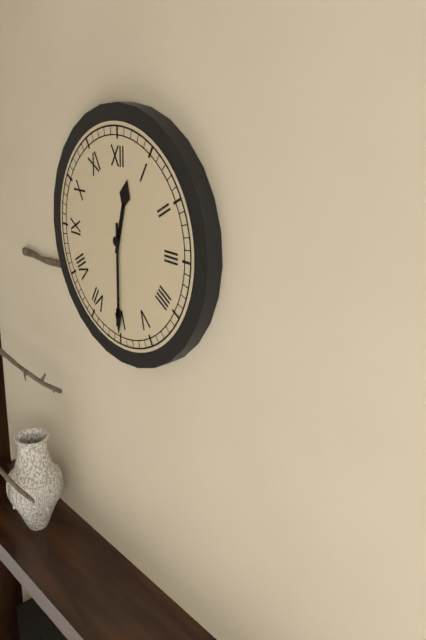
12,30
